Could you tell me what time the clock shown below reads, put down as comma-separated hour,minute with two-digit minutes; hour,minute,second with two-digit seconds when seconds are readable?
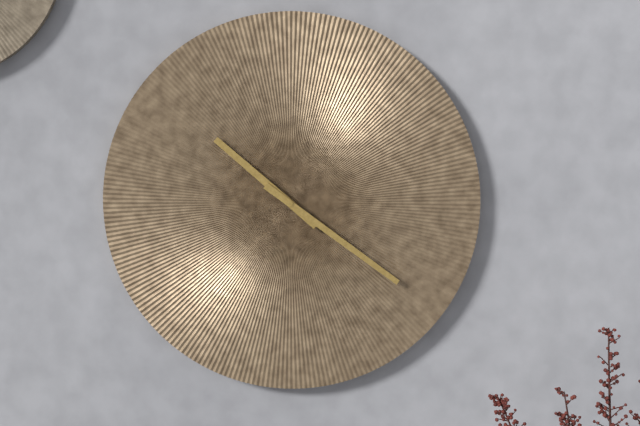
10,21
